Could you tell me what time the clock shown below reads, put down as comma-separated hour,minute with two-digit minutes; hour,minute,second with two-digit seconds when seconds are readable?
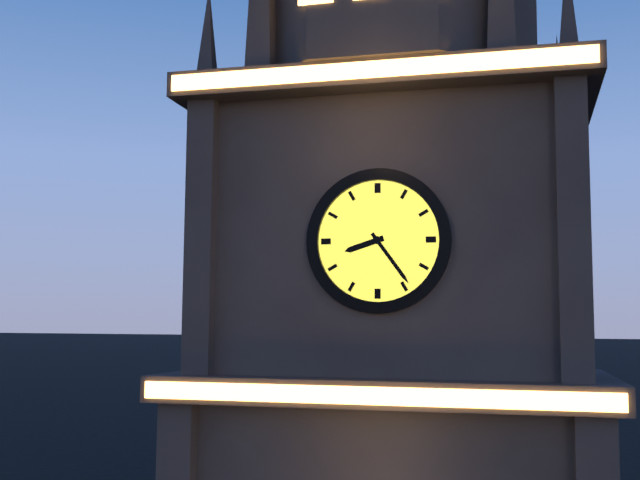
8,24
